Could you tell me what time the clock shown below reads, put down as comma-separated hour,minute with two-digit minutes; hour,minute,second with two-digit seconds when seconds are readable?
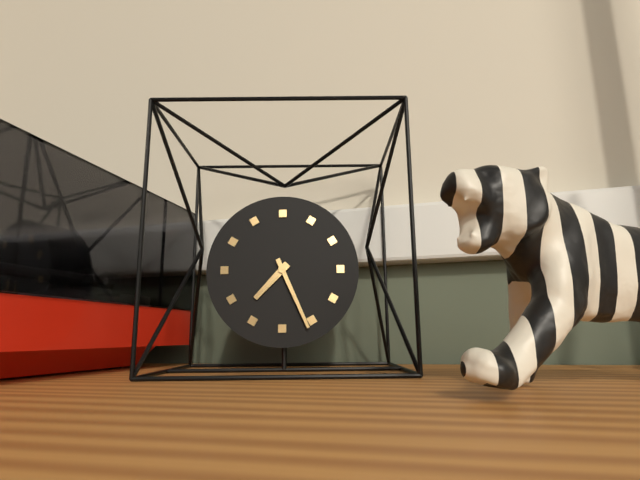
7,26
